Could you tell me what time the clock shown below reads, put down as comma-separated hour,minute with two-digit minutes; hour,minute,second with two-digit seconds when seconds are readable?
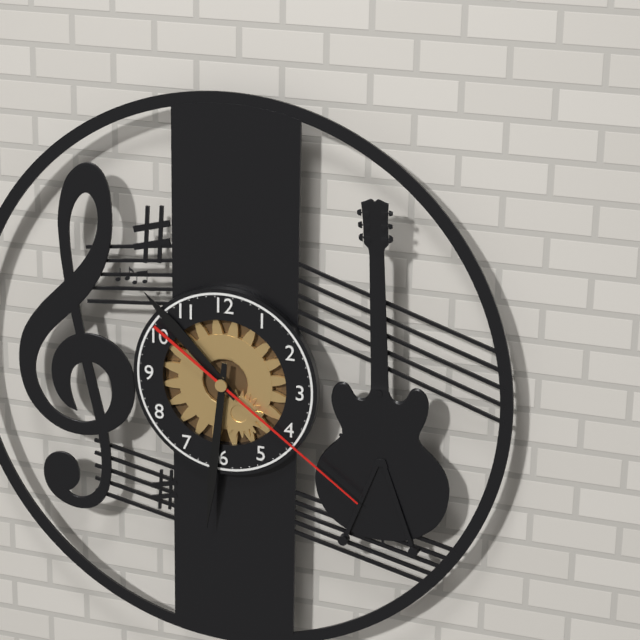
10,31,21
